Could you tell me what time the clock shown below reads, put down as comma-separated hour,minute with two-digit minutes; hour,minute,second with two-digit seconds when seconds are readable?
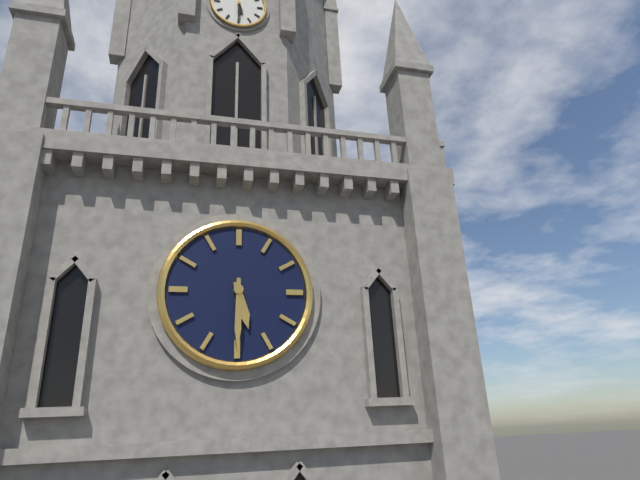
5,30
